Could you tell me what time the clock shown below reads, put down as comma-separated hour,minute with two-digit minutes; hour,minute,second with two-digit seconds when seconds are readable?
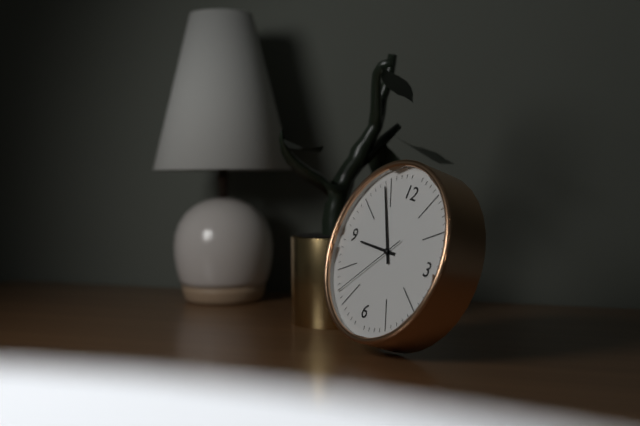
8,54,37
